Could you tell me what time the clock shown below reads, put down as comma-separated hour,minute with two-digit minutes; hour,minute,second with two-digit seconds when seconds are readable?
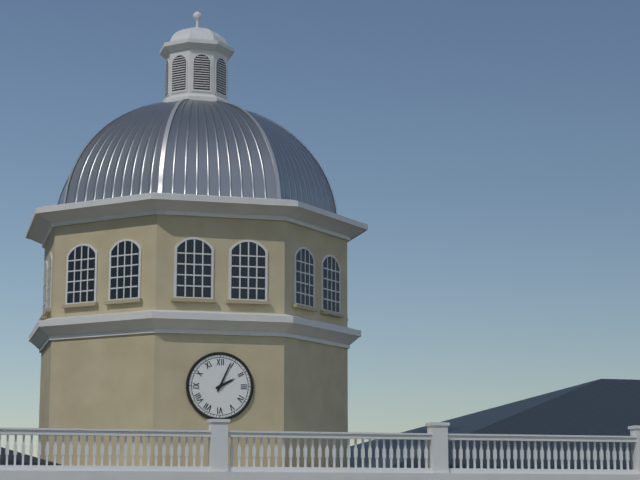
2,04
